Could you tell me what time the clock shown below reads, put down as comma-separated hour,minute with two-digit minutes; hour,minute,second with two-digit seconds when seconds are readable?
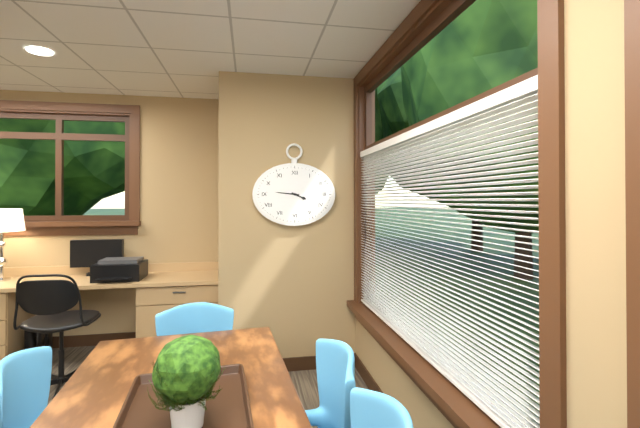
3,46
